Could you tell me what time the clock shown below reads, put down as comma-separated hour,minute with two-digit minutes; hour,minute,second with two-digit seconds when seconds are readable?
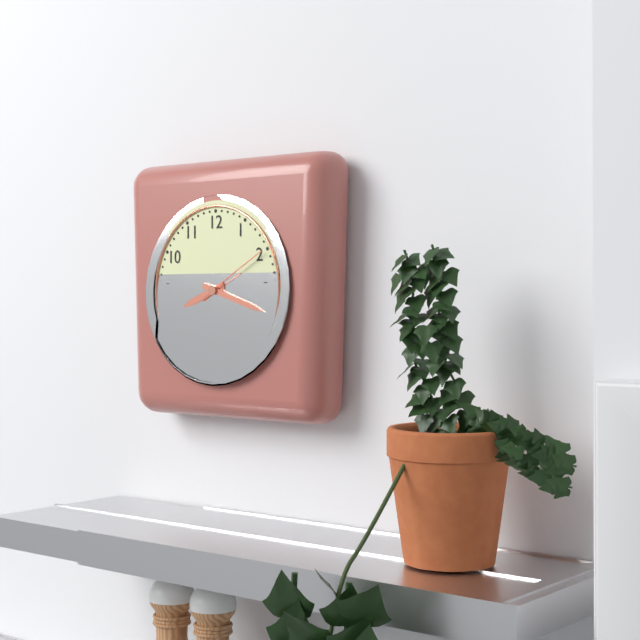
8,18,10
